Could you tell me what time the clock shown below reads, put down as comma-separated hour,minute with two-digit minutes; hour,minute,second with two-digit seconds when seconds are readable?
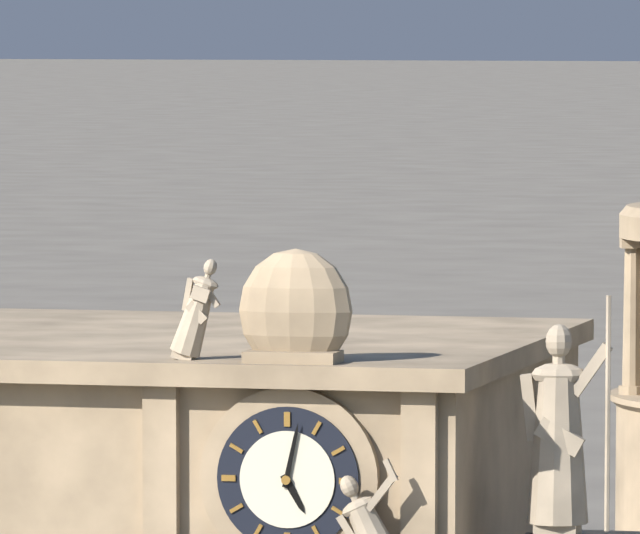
5,02
